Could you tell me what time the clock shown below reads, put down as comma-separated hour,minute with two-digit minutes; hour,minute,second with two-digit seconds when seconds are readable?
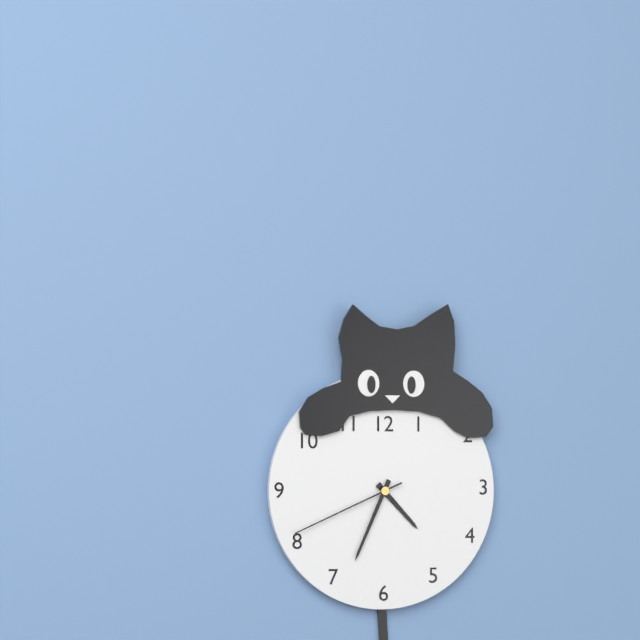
4,34,41
